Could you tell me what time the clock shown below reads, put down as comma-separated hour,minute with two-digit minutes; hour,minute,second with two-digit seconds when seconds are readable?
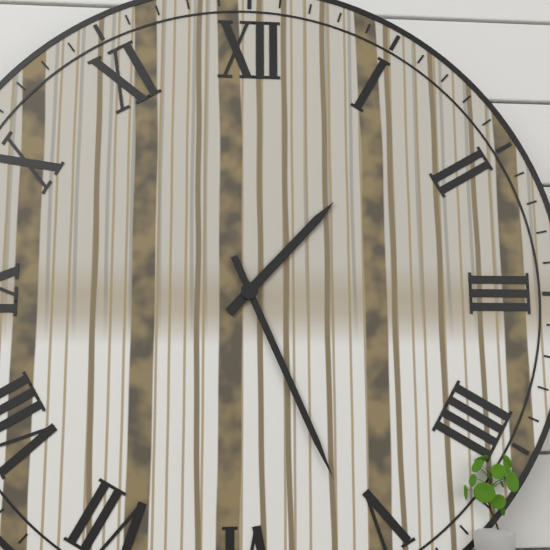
1,26
